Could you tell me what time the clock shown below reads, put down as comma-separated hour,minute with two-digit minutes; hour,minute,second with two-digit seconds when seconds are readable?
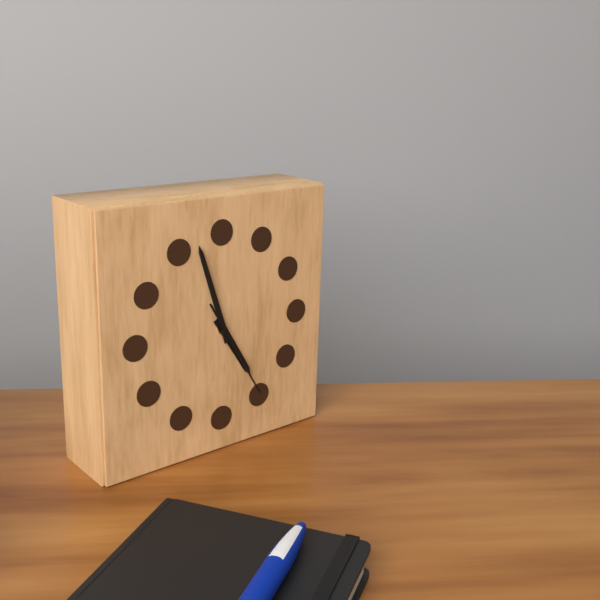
4,57,25
